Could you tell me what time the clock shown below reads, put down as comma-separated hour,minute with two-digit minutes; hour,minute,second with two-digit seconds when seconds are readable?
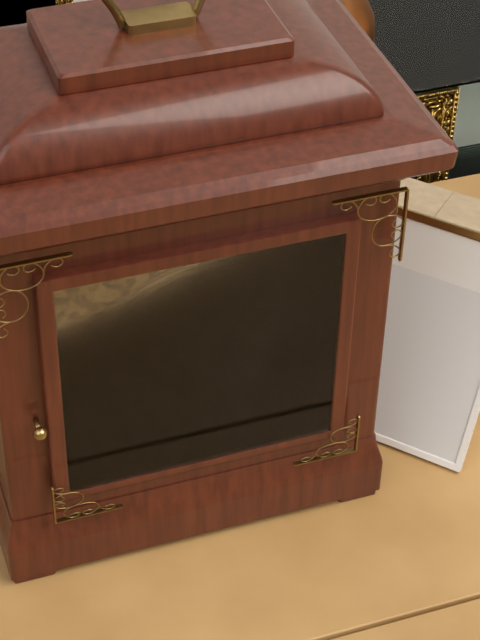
11,59
